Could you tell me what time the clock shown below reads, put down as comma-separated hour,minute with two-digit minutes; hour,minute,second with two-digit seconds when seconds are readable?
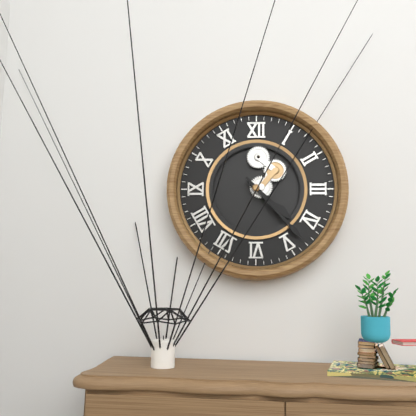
4,23
